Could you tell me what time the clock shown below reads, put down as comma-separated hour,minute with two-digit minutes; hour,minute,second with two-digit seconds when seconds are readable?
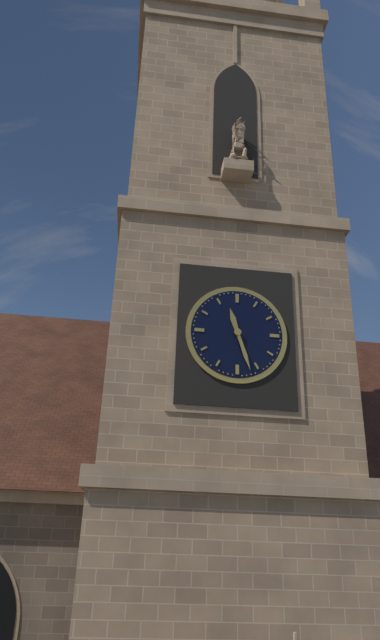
11,27
